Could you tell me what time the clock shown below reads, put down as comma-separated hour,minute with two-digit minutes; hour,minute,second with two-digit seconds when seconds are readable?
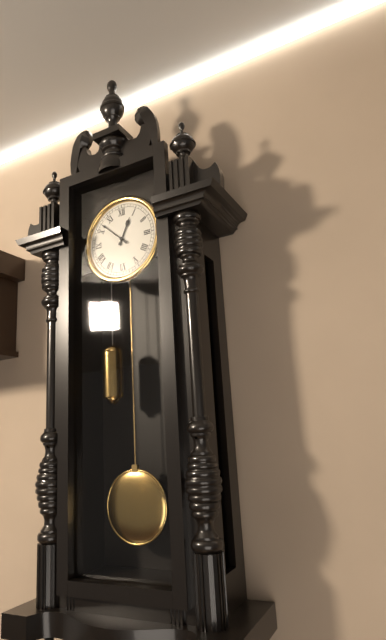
12,52
